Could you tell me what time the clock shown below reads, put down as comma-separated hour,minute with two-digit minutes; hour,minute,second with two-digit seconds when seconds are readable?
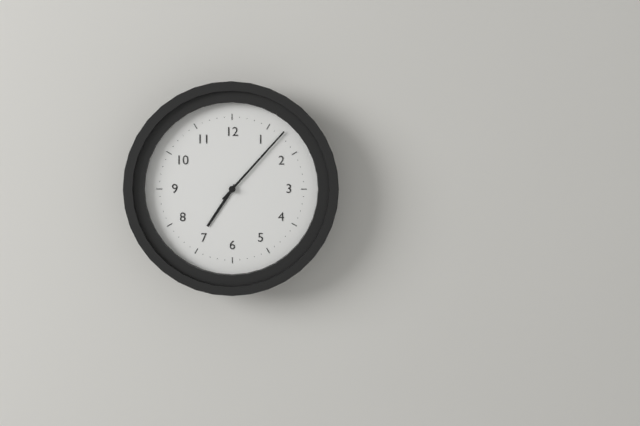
7,07
